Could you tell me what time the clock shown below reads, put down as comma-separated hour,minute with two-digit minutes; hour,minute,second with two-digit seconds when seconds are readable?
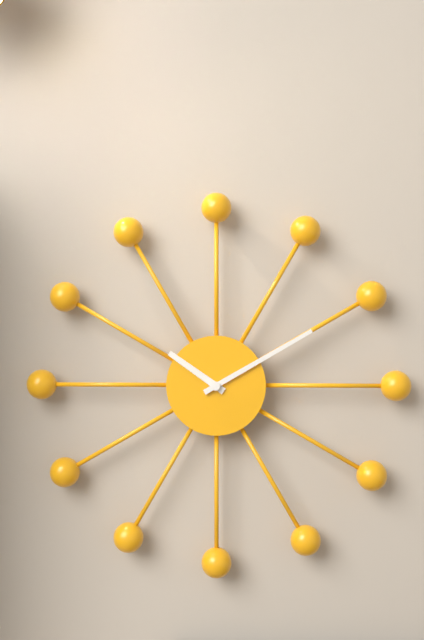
10,10
